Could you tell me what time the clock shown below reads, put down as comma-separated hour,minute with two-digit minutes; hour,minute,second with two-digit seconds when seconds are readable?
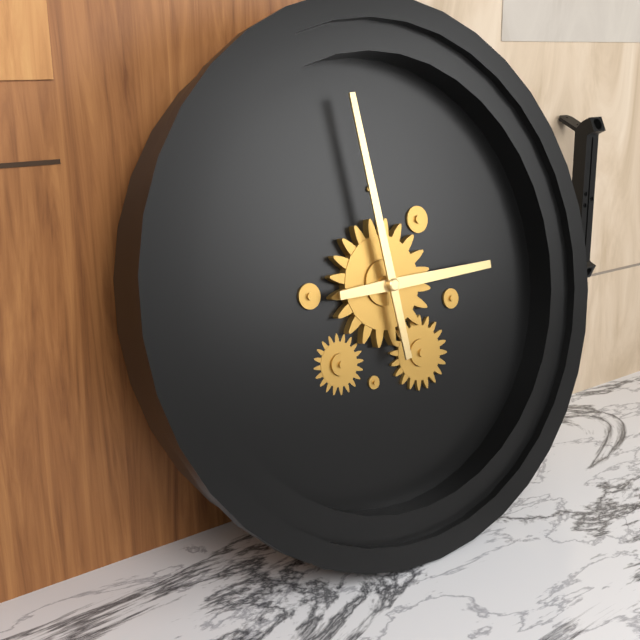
2,59
